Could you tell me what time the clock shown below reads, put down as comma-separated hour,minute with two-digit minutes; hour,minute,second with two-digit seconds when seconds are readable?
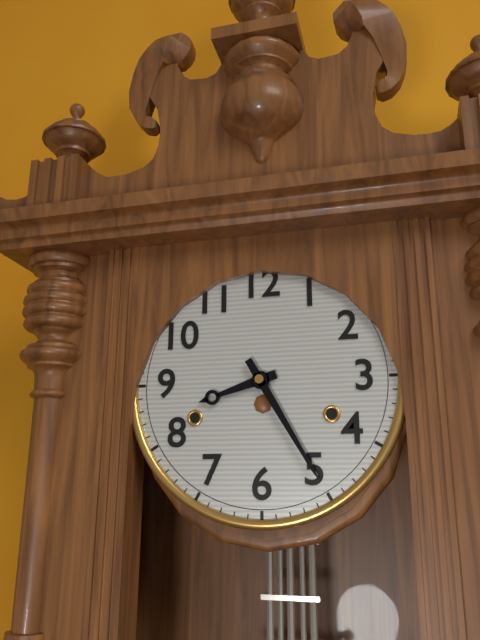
8,25
